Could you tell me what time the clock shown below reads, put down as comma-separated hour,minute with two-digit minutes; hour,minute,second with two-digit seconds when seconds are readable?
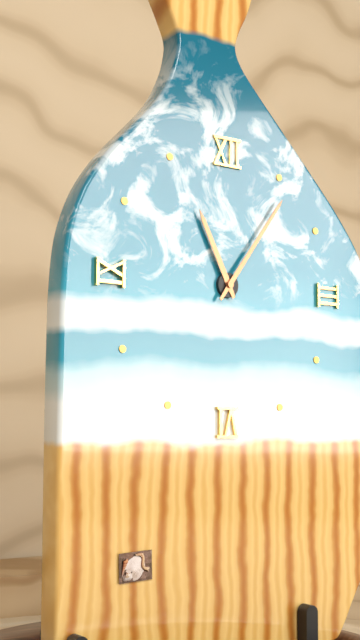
11,06
